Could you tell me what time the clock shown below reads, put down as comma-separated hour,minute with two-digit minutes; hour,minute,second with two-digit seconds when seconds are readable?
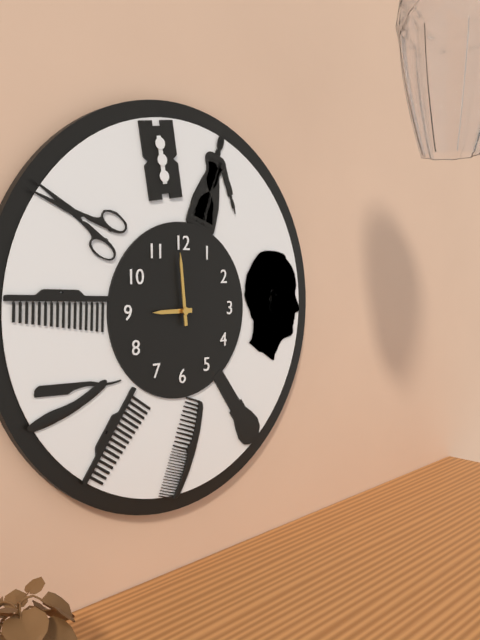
8,59
